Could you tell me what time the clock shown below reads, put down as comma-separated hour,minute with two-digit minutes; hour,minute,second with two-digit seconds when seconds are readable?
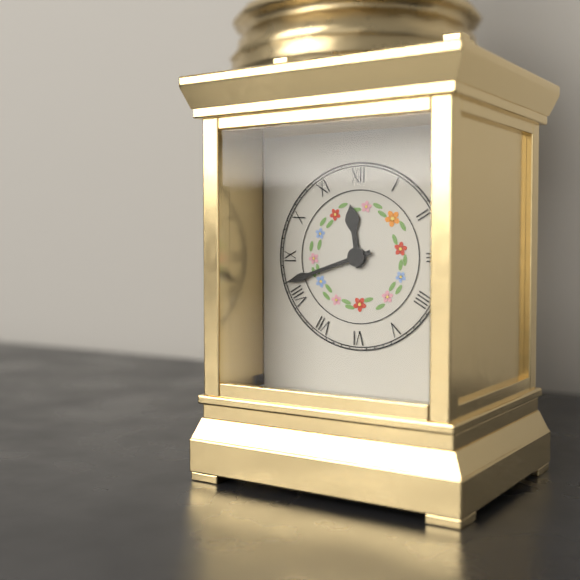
11,42
